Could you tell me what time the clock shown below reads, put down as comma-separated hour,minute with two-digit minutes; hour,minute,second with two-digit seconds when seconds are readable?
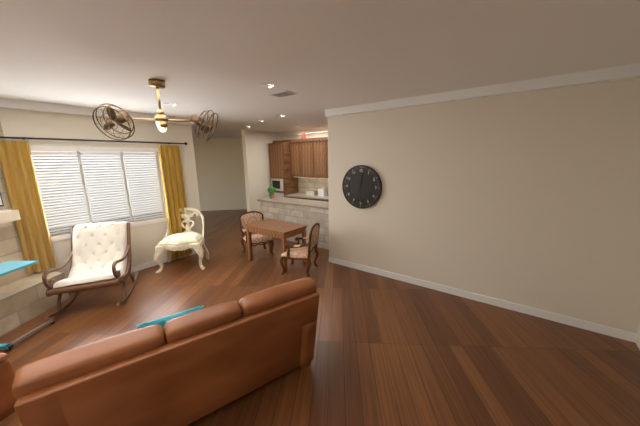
3,01
